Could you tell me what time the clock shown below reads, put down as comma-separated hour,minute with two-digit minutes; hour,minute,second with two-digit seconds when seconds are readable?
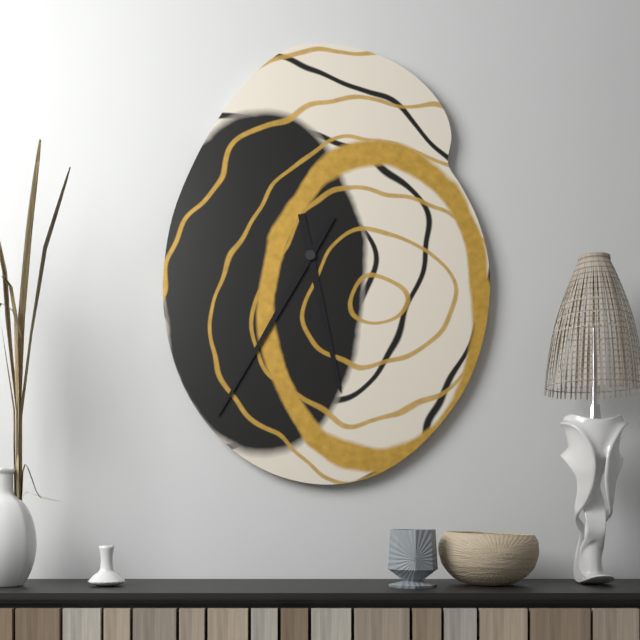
5,35
